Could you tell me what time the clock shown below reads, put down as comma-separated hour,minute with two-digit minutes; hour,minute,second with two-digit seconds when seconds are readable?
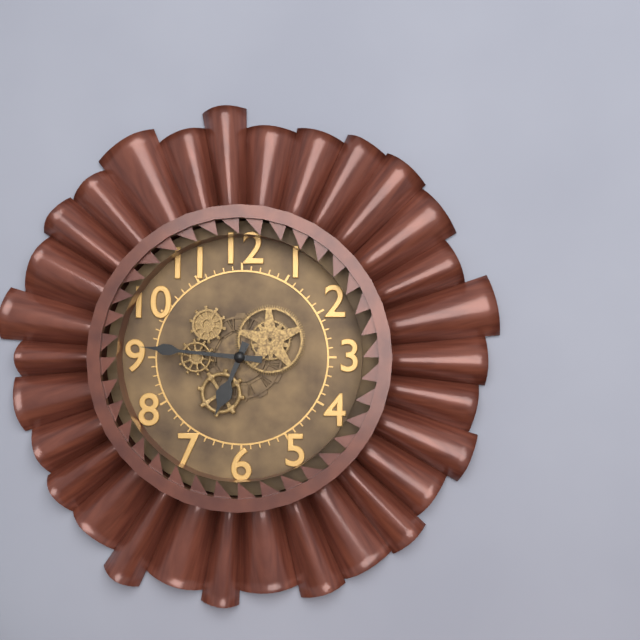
6,46
